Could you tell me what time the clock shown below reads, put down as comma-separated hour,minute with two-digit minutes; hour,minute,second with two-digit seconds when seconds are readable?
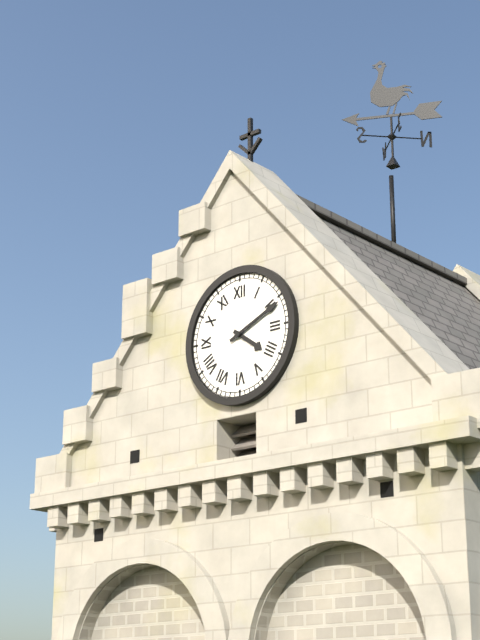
4,11
